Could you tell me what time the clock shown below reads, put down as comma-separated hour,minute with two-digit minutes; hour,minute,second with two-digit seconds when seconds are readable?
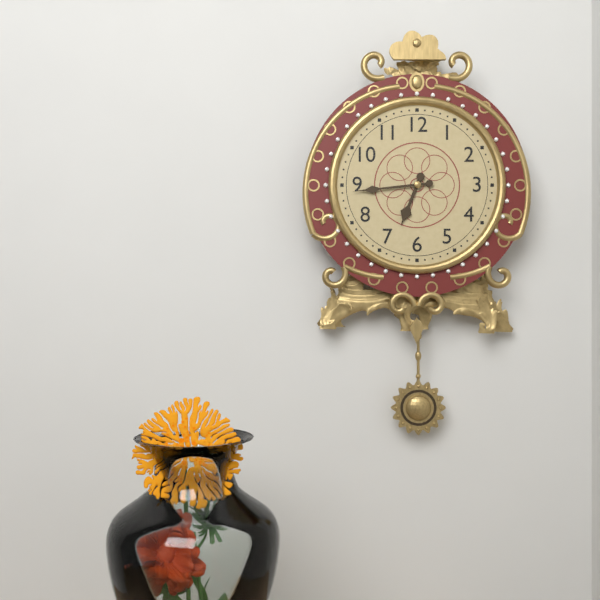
6,44
